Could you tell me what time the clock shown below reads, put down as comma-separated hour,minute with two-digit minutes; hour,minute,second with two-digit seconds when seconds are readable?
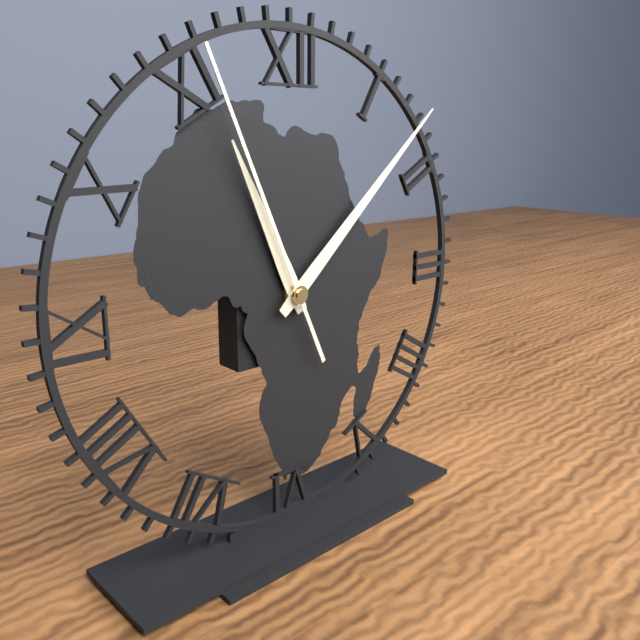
11,08,56
